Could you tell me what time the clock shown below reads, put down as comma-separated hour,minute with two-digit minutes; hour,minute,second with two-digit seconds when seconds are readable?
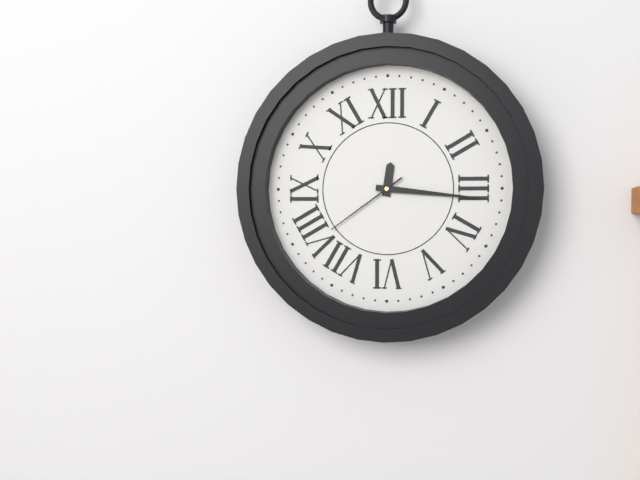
12,16,39
